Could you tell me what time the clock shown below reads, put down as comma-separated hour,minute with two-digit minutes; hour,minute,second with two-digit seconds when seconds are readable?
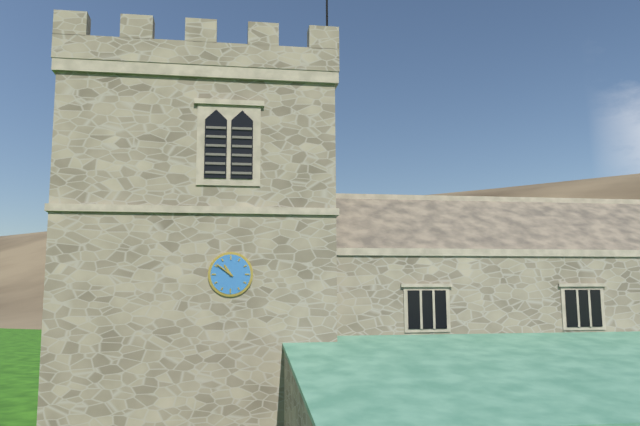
10,51
